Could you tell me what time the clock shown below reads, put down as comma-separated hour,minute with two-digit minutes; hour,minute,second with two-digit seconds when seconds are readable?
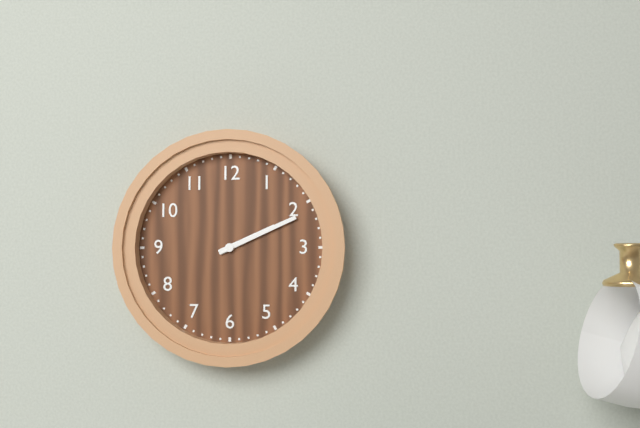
2,11
